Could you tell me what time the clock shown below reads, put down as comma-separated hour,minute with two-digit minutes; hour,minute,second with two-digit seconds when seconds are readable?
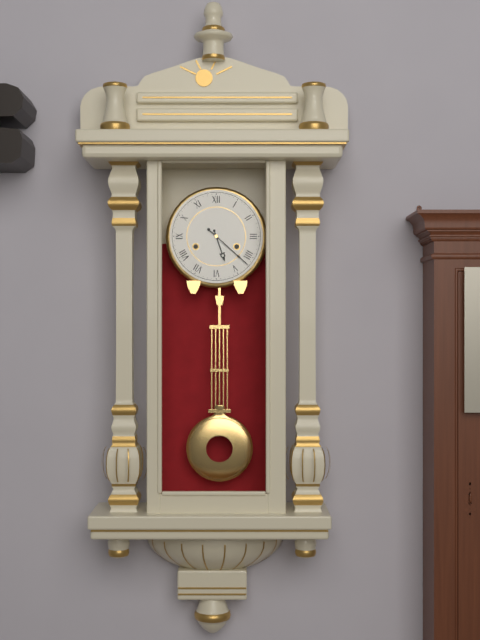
5,22
